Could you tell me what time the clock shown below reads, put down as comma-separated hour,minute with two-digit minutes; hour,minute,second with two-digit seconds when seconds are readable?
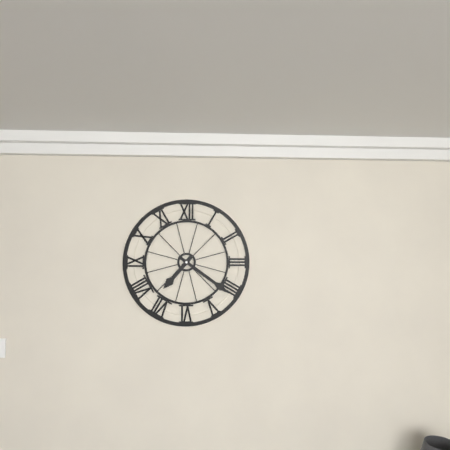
7,21
